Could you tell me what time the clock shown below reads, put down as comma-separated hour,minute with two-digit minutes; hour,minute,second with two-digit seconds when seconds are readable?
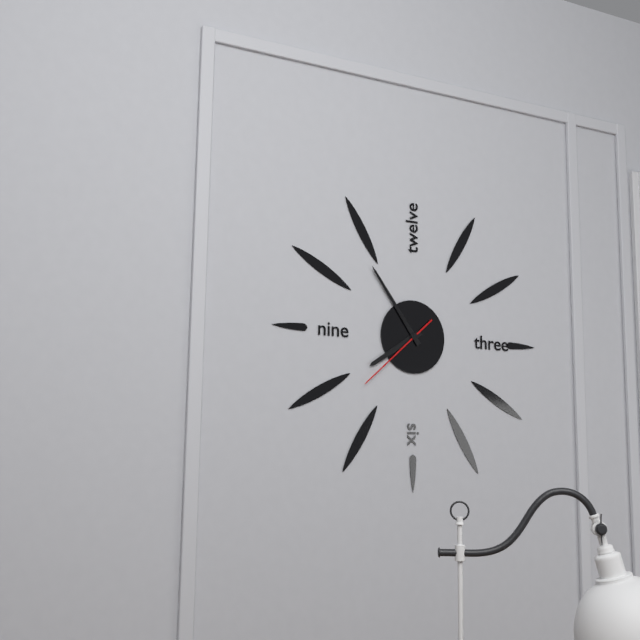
7,54,38
